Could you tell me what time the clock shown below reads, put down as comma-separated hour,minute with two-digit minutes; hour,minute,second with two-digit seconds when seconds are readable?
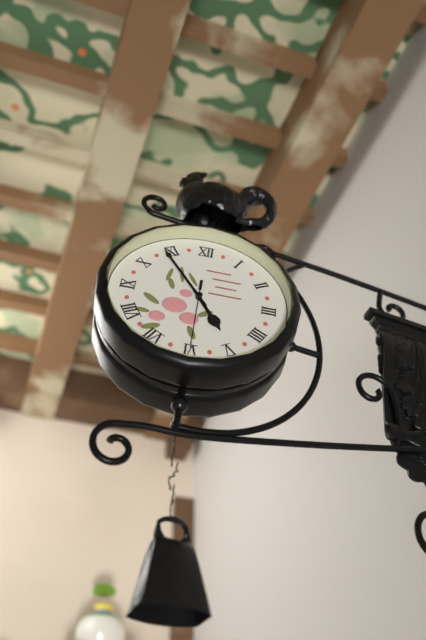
4,54,30
